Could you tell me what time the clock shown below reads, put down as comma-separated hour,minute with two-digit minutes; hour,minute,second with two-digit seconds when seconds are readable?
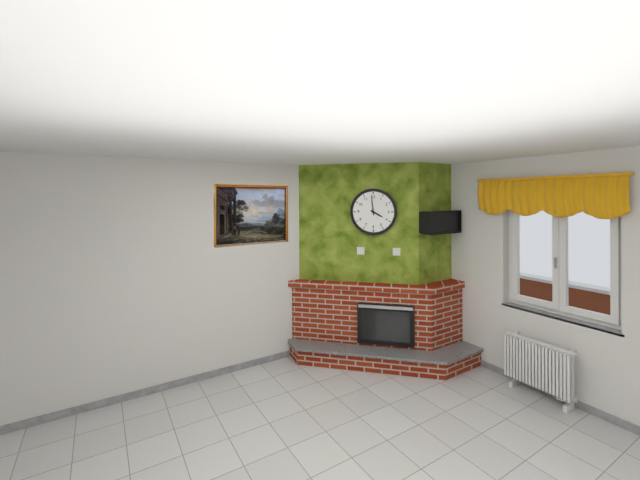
3,59
